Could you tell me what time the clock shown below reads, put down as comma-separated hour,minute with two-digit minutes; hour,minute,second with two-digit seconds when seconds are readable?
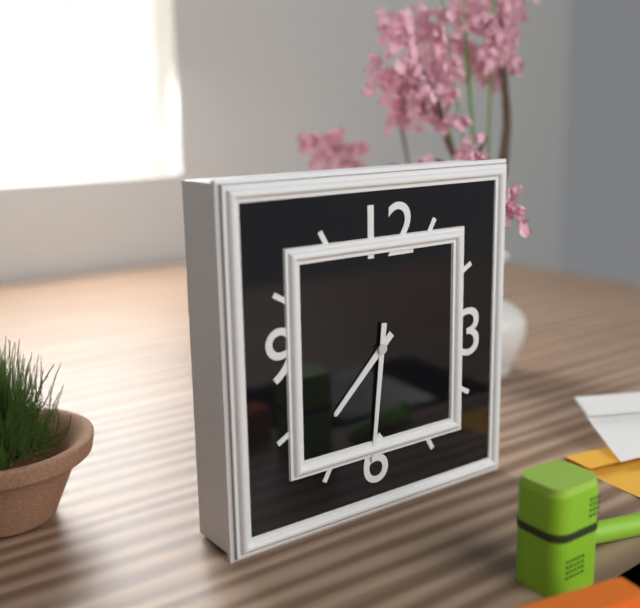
7,31
